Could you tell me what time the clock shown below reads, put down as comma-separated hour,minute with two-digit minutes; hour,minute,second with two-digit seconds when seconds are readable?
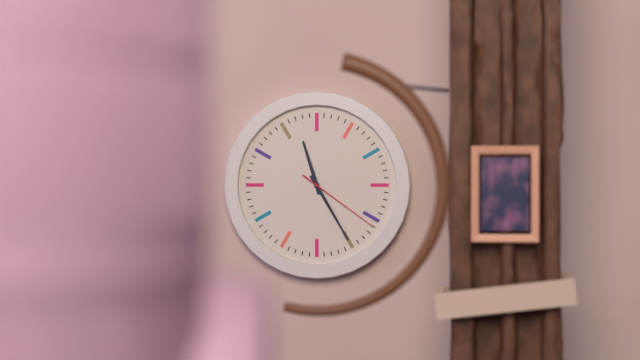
11,25,21
